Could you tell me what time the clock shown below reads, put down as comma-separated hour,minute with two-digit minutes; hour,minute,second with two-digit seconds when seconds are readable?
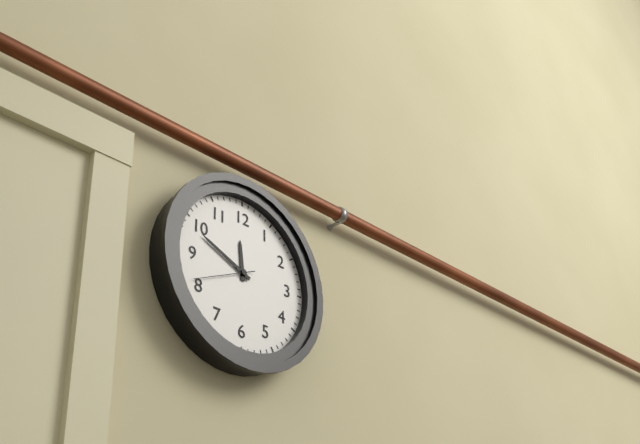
11,49,41
